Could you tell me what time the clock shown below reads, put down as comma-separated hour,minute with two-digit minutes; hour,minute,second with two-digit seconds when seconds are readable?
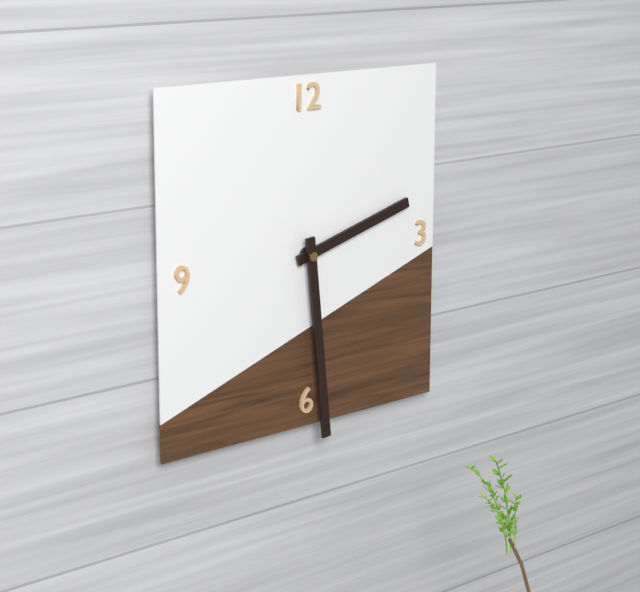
2,29
